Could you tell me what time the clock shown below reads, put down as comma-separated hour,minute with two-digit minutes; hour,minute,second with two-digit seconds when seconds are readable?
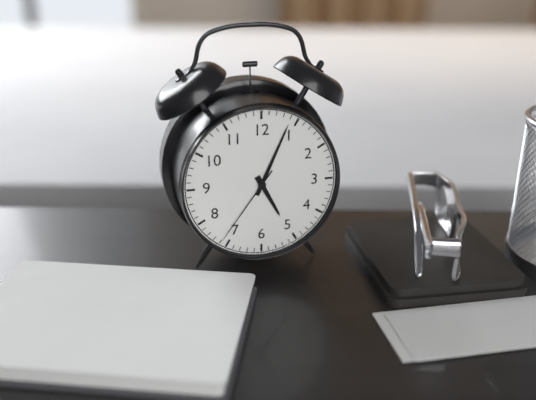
5,04,36
